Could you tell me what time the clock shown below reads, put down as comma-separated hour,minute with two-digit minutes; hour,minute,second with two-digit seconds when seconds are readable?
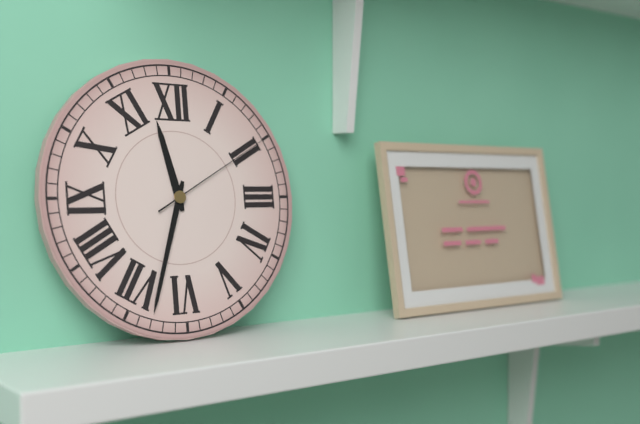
11,33,10
